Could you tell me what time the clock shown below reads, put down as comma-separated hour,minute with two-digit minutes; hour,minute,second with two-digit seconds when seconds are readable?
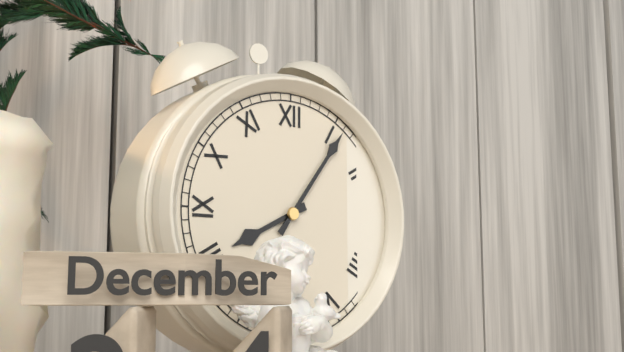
8,06
